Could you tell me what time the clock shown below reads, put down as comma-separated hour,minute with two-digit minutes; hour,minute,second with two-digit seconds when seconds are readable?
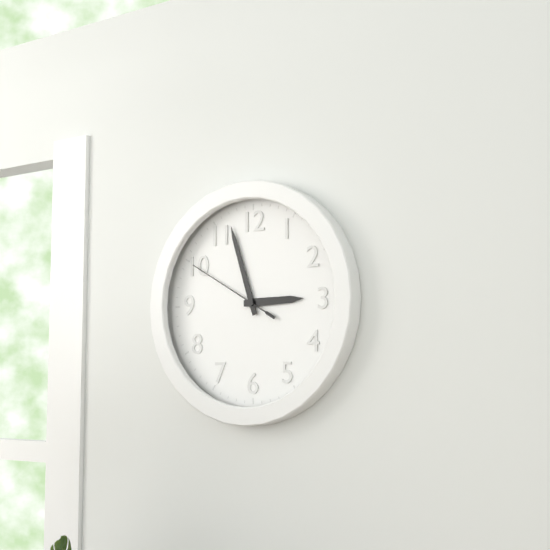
2,57,50
